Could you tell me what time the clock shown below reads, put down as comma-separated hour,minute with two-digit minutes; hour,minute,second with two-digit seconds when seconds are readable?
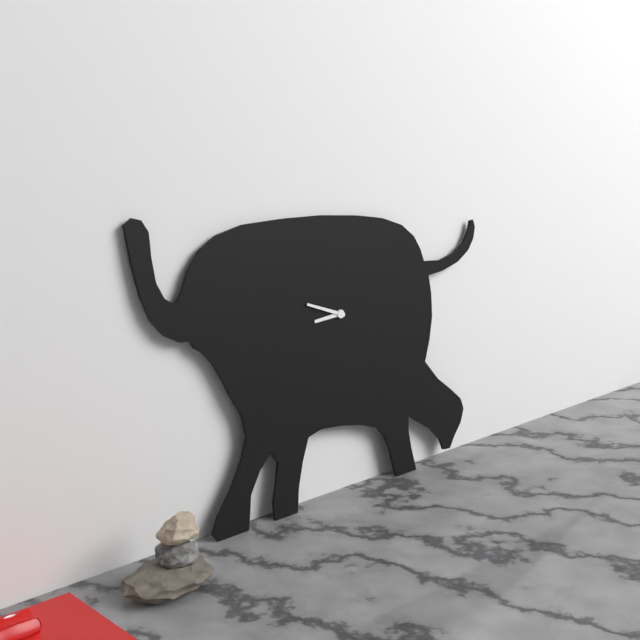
8,48
